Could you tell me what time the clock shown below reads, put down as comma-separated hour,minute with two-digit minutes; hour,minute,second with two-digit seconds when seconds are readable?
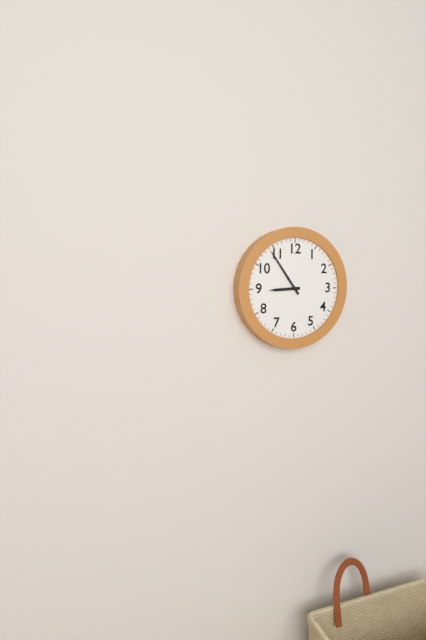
8,54
